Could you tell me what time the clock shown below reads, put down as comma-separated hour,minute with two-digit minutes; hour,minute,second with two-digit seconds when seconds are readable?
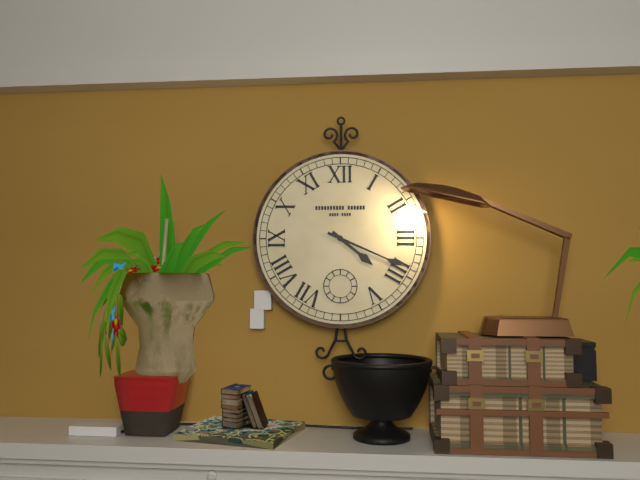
4,19
